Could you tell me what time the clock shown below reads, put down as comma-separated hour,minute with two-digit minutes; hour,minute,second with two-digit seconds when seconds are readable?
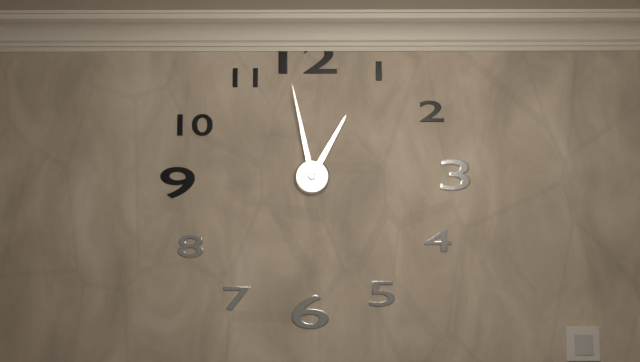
12,58
